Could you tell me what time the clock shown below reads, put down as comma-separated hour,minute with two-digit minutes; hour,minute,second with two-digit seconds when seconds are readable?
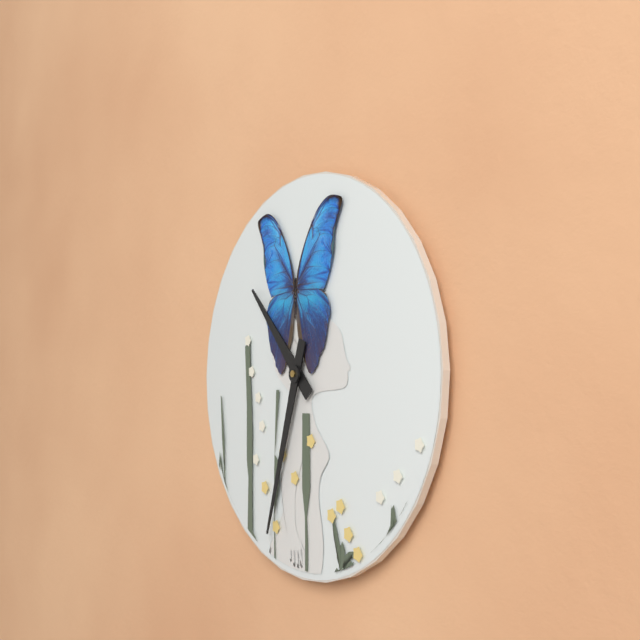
10,33
